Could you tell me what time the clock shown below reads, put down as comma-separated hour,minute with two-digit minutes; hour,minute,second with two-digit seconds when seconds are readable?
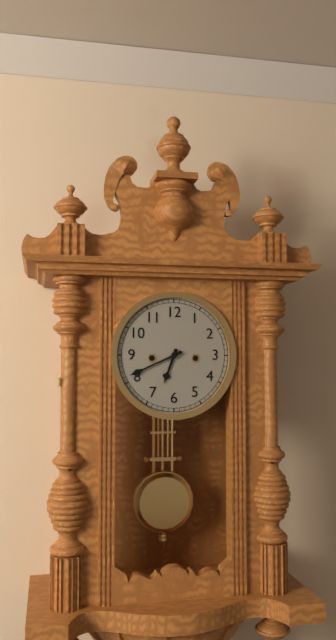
6,41
